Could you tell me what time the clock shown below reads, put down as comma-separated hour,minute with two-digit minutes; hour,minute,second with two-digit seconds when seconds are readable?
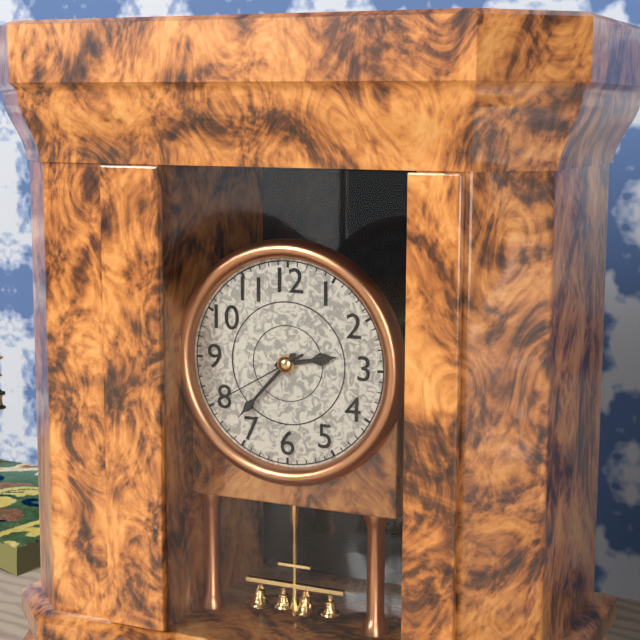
2,37,40
